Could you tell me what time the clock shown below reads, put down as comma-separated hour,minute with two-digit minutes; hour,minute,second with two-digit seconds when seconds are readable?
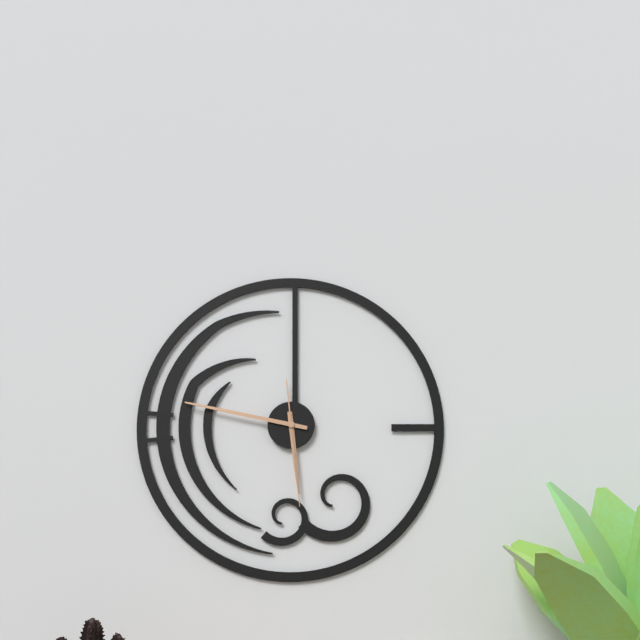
5,47,29
